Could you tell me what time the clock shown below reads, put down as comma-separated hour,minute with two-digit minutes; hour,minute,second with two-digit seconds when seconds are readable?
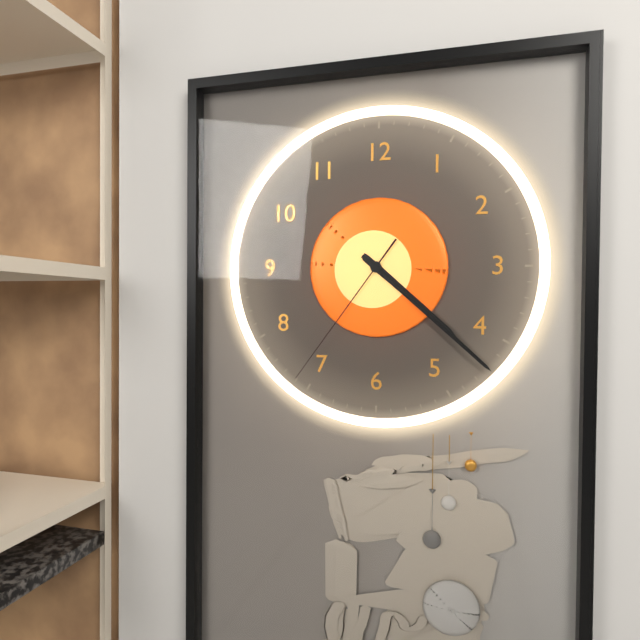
4,22,36
